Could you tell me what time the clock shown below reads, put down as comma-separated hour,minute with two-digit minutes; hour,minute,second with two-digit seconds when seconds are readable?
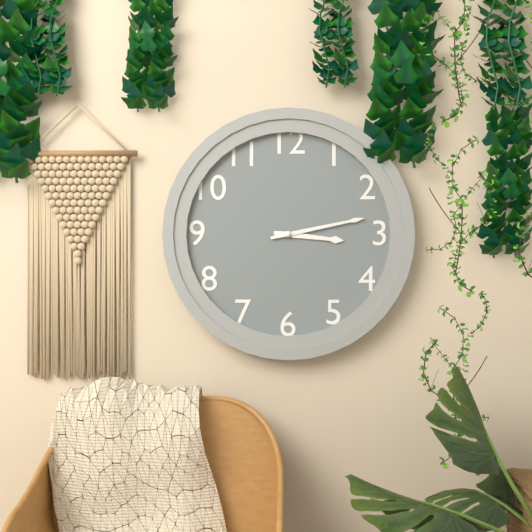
3,13
